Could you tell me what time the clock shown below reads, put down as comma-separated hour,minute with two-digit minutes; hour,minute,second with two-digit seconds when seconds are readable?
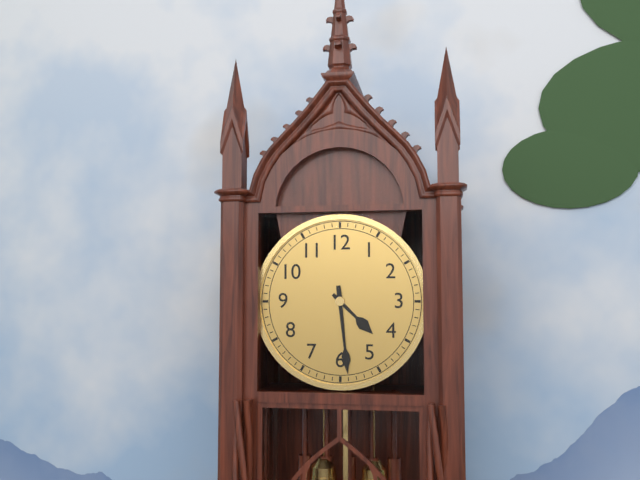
4,29
